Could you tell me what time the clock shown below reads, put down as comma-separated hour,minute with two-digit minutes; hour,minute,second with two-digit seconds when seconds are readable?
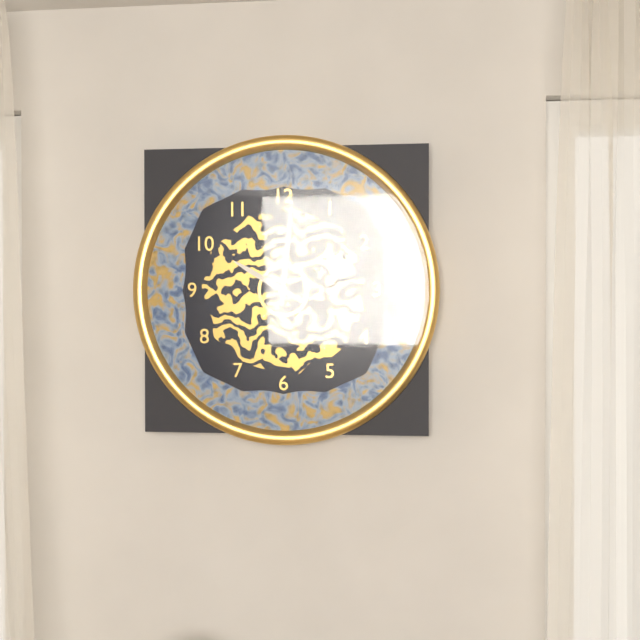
10,01
